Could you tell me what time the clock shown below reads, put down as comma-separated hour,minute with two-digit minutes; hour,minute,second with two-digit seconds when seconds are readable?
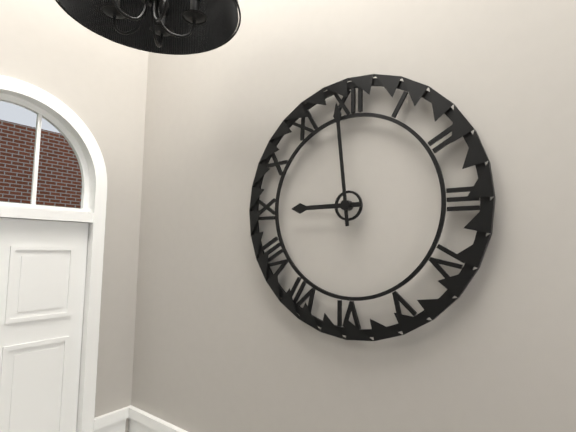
8,59
